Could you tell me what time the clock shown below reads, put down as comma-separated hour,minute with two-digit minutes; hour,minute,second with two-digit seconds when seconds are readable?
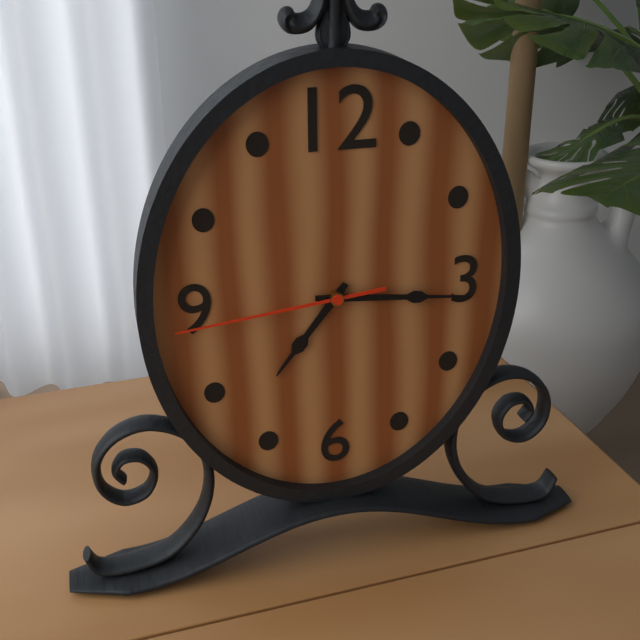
7,16,44
